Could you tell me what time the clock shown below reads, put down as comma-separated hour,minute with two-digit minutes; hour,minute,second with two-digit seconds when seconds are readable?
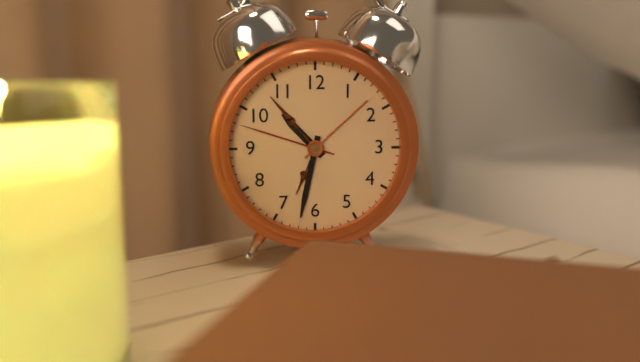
10,32,48
